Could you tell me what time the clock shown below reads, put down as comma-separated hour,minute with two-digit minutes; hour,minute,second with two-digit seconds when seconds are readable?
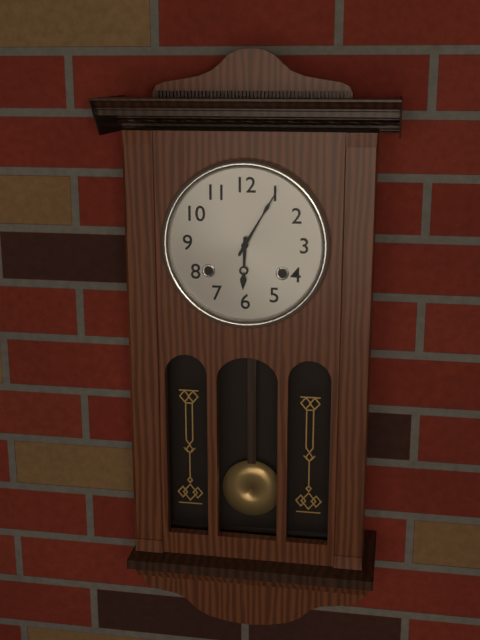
6,05
